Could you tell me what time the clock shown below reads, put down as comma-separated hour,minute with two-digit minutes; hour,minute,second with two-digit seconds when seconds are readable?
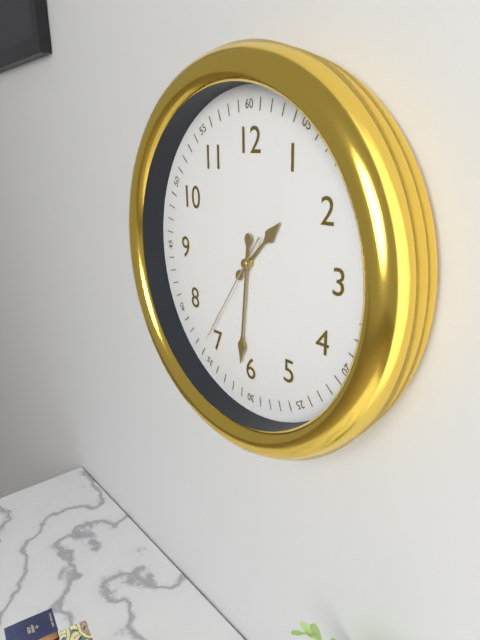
1,31,36
